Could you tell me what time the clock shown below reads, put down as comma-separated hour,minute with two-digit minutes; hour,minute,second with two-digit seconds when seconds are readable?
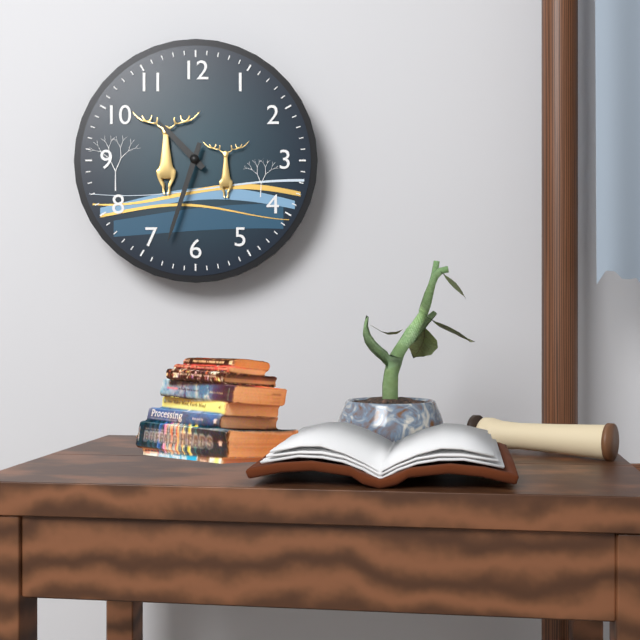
10,33
